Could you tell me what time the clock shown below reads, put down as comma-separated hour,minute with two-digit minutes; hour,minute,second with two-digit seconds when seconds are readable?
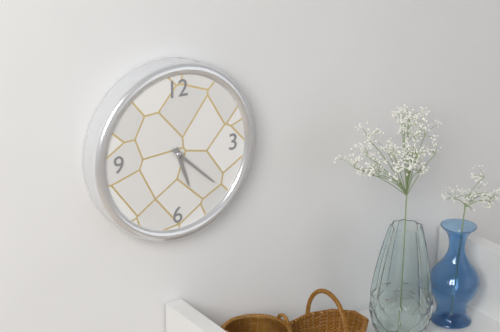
5,22
